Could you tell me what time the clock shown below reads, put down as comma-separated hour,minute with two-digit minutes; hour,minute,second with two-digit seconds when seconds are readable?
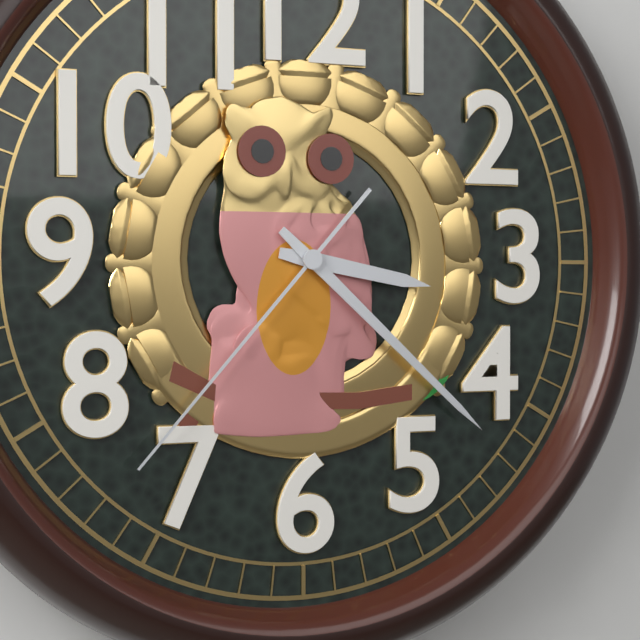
3,22,37
